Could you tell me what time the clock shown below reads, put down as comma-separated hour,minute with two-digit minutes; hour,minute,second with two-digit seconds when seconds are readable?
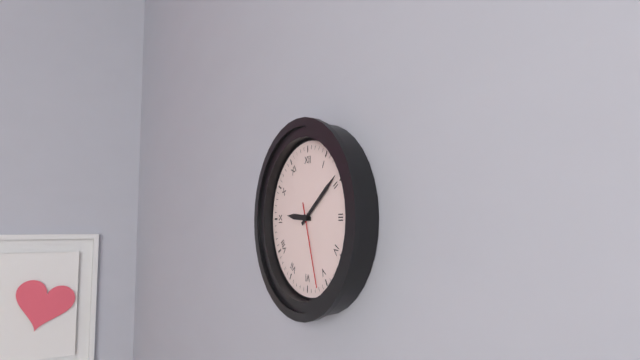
9,09,27
